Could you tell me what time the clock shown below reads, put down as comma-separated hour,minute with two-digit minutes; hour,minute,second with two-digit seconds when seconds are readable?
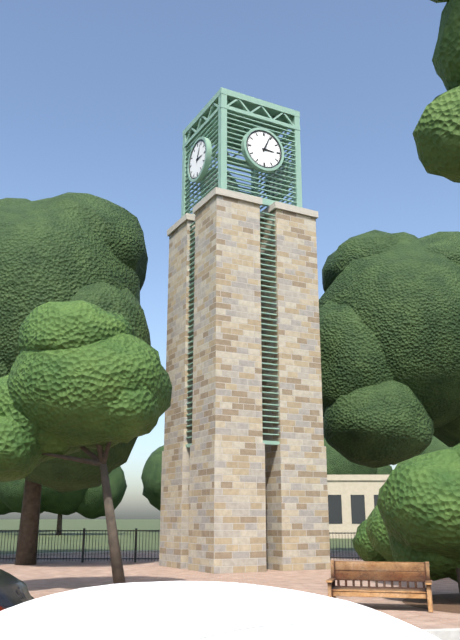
3,04
